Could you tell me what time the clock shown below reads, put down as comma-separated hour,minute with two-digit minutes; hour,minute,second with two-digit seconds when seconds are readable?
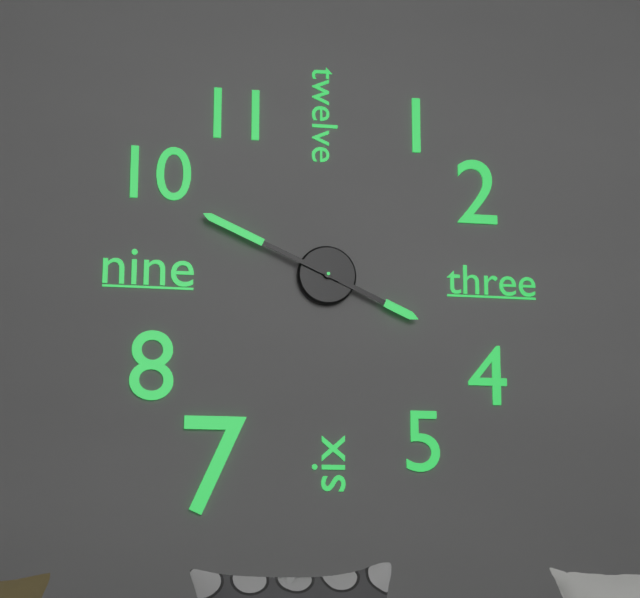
3,49
